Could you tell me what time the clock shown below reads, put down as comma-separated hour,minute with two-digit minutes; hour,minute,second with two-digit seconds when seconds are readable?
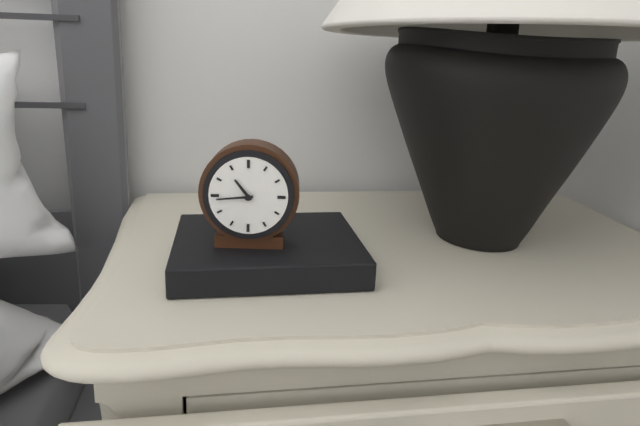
10,44
